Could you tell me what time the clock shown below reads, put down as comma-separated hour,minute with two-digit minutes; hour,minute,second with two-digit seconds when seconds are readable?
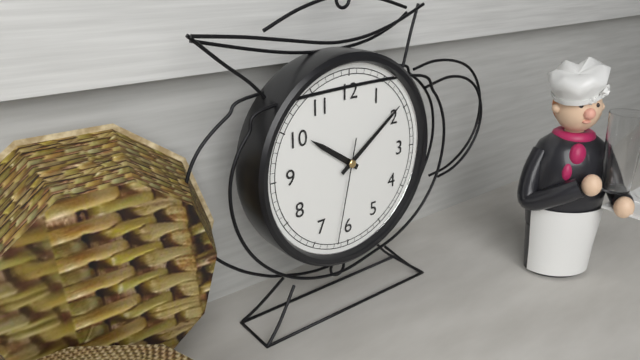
10,09,32
